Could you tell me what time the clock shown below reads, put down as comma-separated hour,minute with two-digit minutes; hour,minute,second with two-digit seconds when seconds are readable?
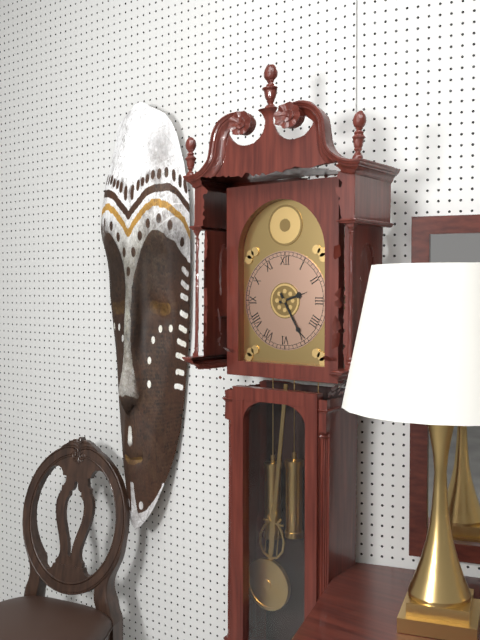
2,25
